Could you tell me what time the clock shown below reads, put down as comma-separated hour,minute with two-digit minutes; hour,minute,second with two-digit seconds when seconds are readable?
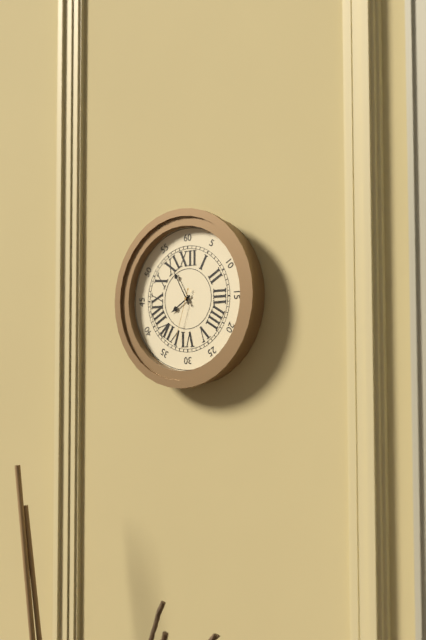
7,55,33
